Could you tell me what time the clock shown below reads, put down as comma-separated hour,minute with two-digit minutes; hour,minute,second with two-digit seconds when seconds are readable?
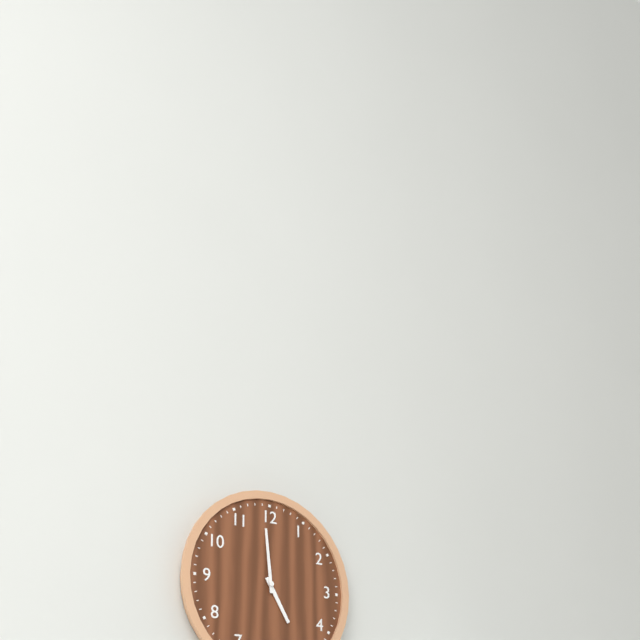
4,59
